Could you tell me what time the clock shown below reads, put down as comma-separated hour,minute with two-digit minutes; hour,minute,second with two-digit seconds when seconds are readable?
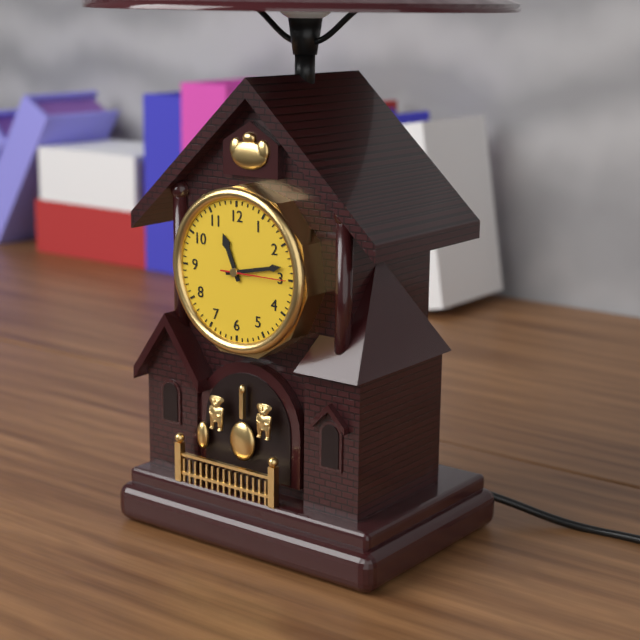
11,13,15
